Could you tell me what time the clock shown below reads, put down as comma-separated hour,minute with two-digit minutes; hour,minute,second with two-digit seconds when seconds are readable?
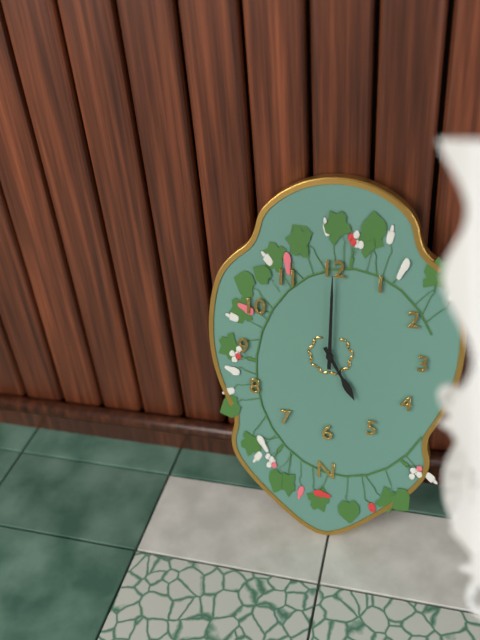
5,00
